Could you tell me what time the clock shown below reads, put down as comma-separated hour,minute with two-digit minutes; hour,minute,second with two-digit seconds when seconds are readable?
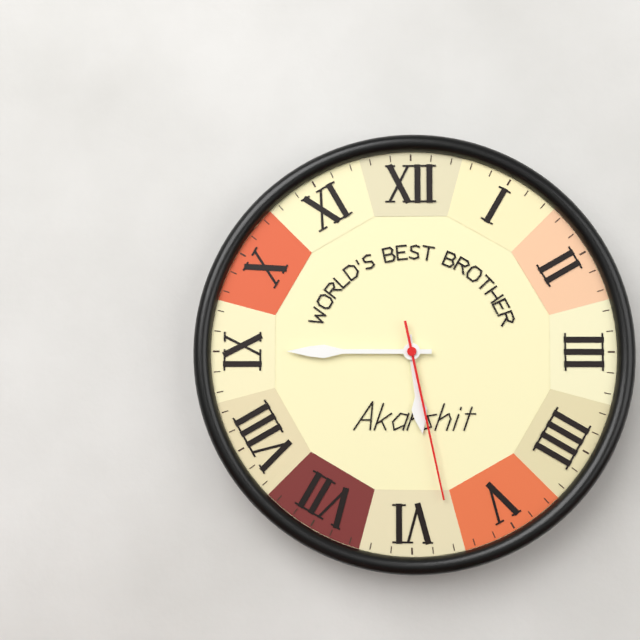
5,45,28
